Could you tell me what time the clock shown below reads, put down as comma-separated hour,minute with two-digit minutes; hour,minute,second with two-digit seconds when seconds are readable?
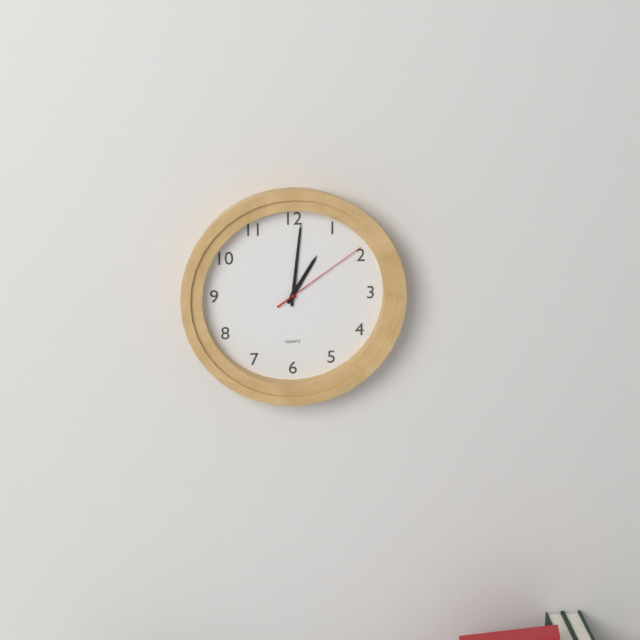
1,01,09
